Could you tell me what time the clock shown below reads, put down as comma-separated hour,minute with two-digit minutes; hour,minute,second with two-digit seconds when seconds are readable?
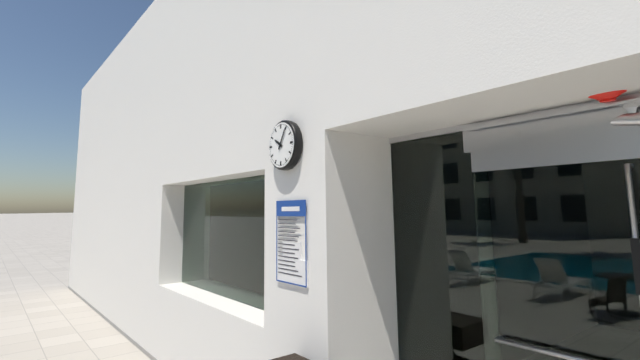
10,05
